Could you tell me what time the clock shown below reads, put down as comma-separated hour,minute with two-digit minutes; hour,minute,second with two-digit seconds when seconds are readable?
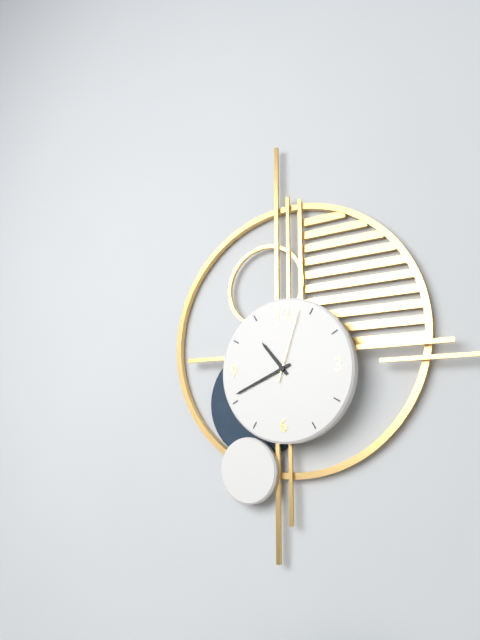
10,41,03
